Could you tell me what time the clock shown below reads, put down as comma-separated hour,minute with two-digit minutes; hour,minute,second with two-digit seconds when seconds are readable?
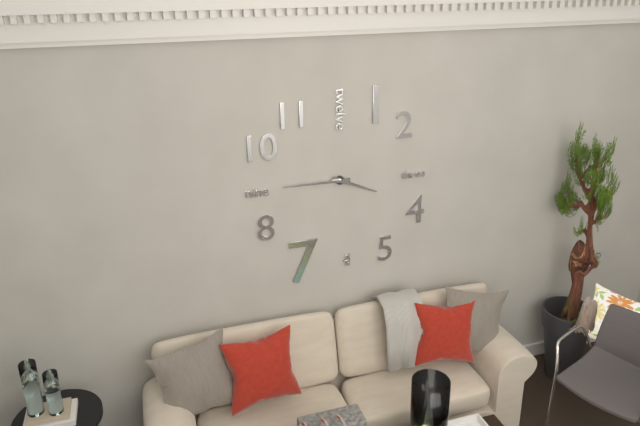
3,45
